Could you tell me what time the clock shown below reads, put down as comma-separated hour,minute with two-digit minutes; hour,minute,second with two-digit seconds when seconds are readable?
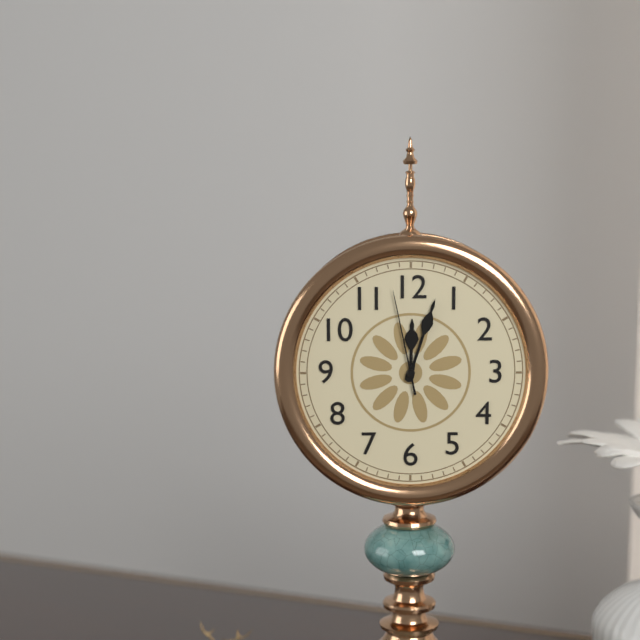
12,03,58
